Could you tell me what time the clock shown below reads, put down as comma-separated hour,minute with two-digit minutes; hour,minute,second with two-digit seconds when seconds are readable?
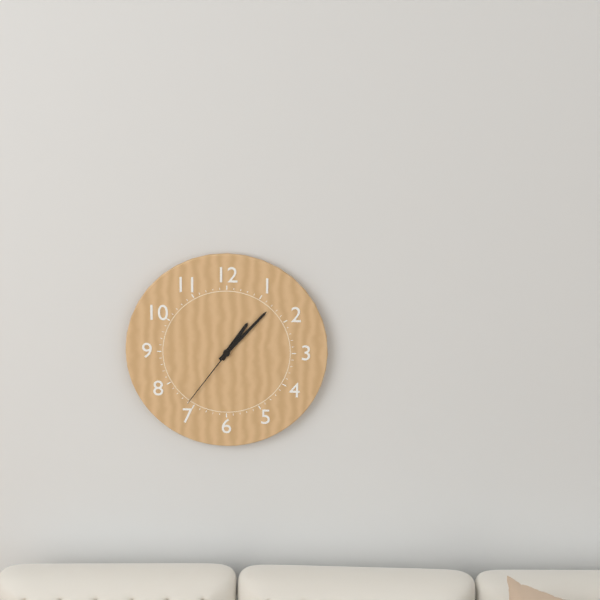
1,07,36
